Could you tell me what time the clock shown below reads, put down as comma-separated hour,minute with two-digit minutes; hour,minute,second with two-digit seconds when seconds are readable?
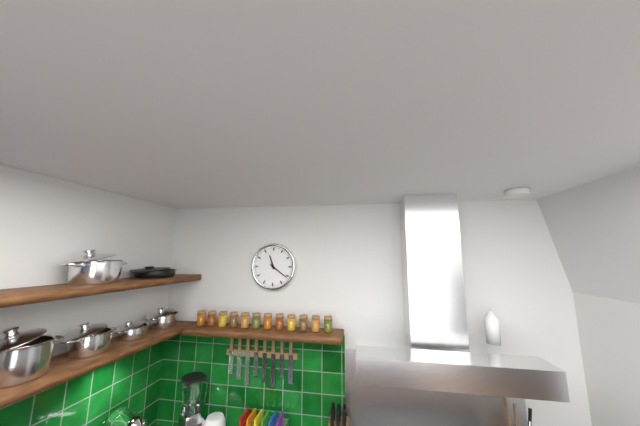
11,21
